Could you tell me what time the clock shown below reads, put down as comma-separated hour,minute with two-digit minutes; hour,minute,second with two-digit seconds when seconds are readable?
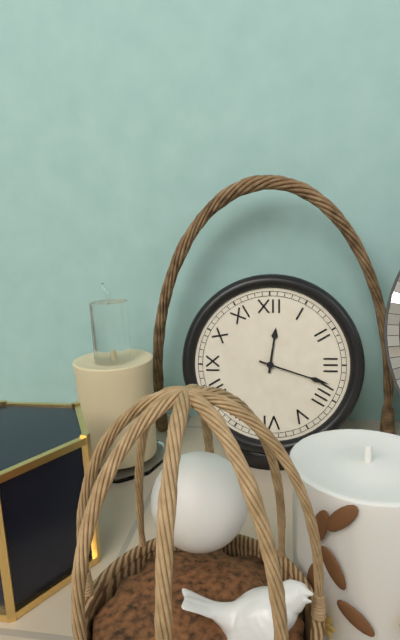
12,18
